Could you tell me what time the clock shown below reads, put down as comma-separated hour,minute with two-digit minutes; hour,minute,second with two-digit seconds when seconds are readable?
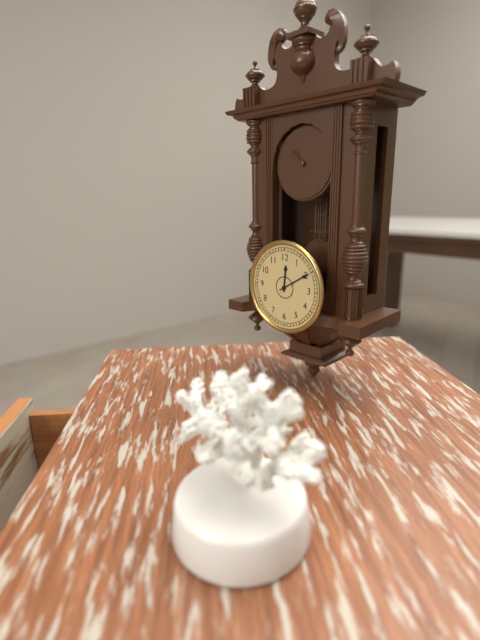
12,10
